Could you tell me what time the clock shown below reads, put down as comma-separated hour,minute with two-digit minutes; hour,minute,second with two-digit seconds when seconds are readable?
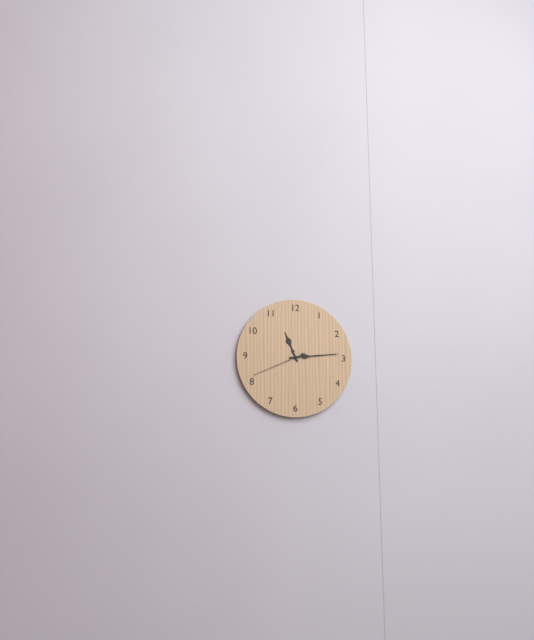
11,14,41
